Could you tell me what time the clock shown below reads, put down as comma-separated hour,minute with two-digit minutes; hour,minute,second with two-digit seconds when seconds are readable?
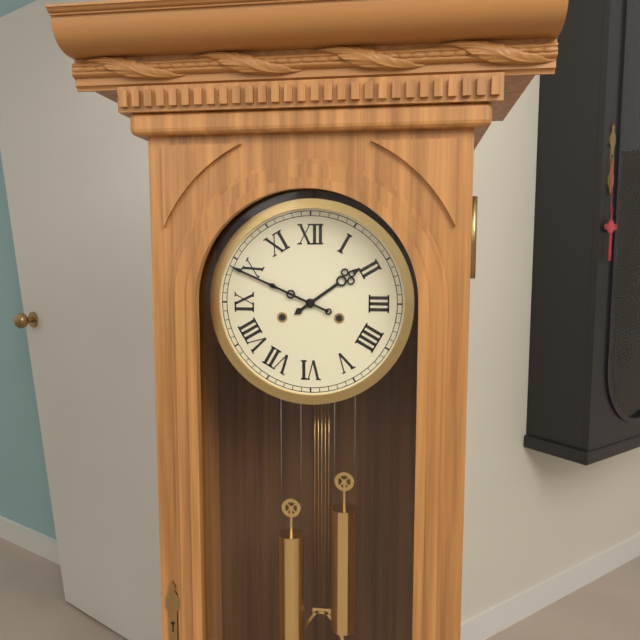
1,49
